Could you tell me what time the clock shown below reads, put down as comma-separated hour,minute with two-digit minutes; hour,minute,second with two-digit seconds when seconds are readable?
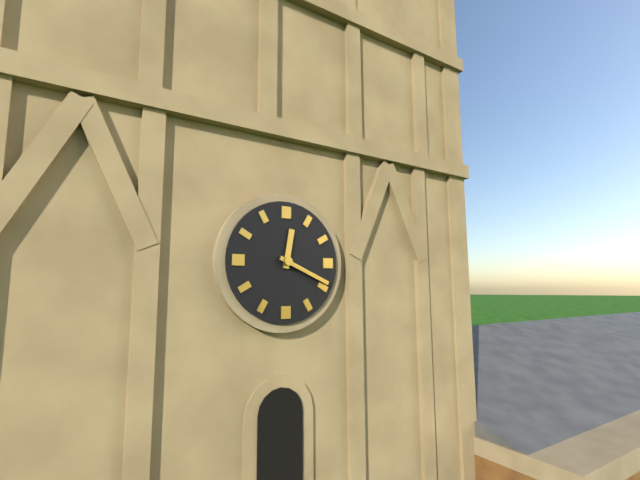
12,19
